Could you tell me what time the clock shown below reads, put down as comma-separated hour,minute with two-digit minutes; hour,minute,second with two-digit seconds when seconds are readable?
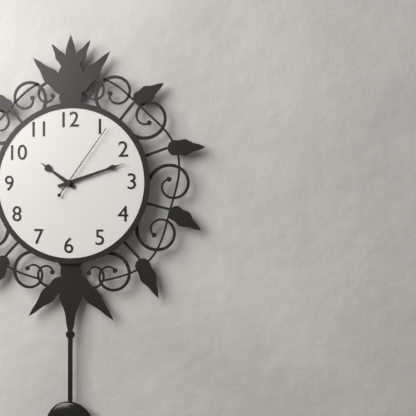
10,12,06
